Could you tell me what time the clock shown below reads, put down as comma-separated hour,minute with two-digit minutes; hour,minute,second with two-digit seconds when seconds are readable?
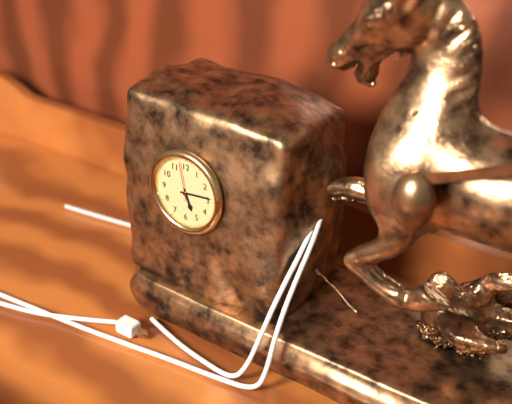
5,14
